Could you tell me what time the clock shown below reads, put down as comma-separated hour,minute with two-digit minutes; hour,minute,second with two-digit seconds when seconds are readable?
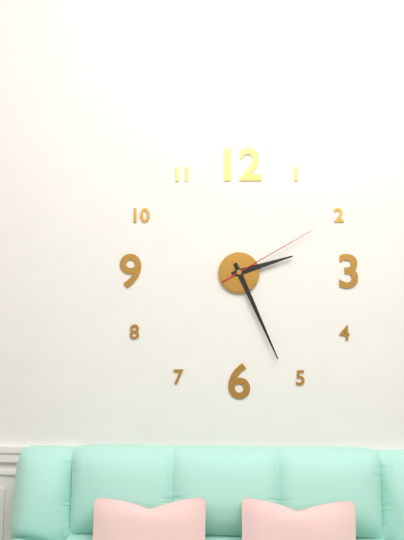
2,26,10
